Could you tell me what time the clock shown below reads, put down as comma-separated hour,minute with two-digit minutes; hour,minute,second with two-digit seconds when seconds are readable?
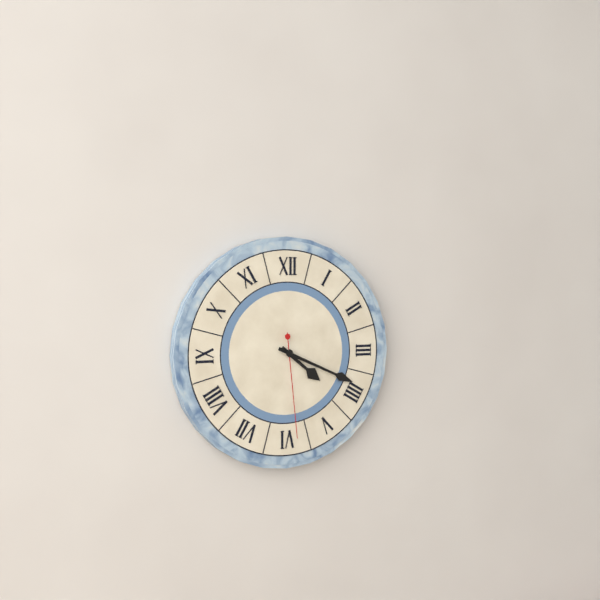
4,19,29
